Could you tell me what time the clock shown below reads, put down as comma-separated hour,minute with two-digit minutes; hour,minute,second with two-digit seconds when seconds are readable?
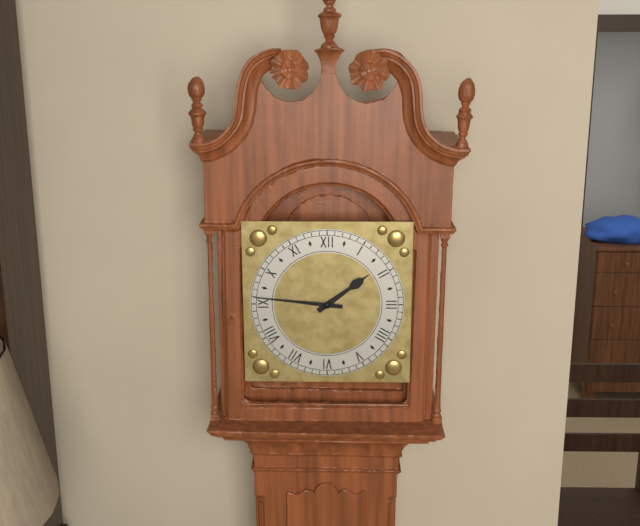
1,46
